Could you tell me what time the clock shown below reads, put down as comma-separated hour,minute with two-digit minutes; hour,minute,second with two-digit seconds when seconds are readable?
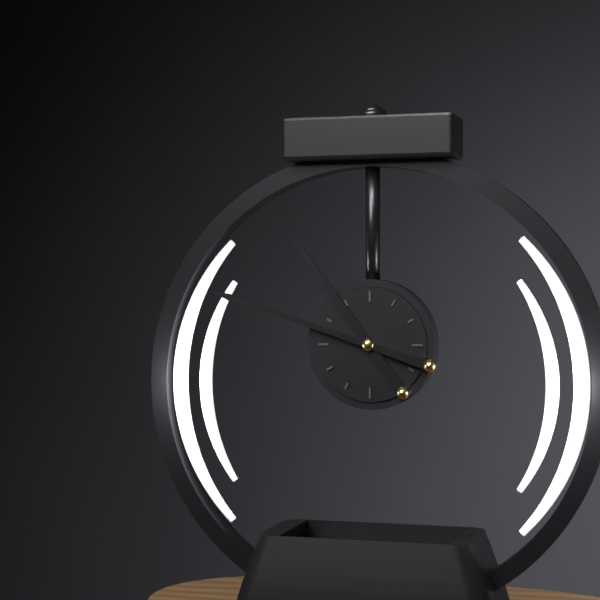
10,48
